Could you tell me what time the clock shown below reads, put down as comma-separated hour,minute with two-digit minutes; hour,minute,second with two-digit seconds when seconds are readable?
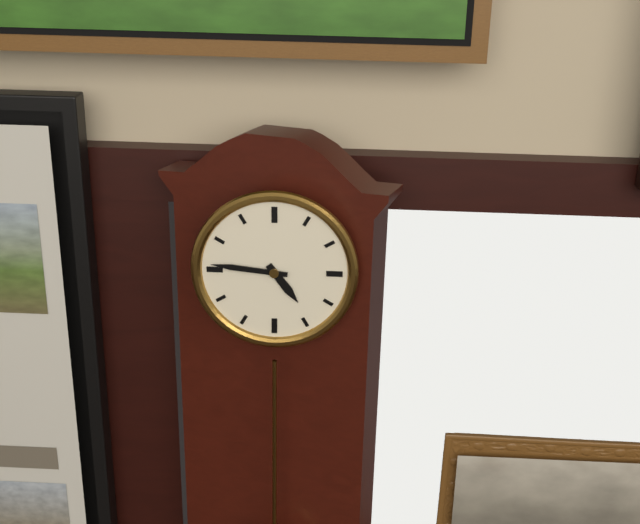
4,46
